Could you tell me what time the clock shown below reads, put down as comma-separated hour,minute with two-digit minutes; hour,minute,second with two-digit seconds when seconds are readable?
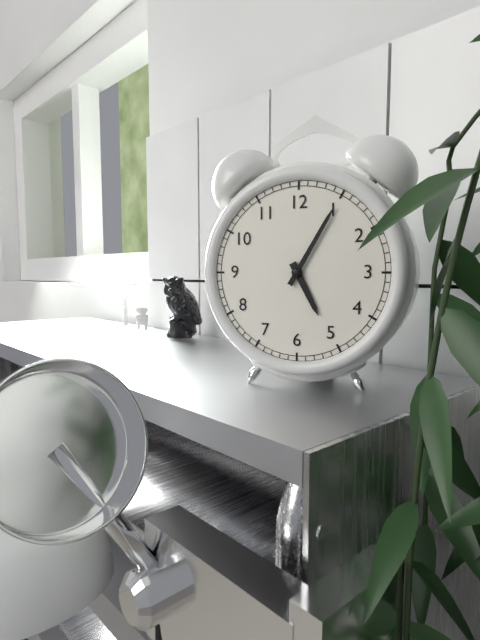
5,05
